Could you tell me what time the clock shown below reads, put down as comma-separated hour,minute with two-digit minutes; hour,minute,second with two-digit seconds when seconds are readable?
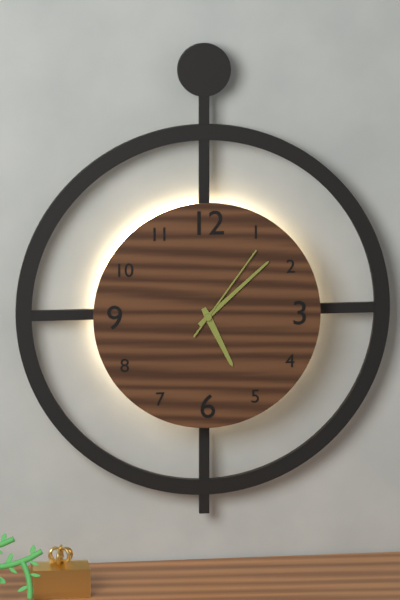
5,08,06
